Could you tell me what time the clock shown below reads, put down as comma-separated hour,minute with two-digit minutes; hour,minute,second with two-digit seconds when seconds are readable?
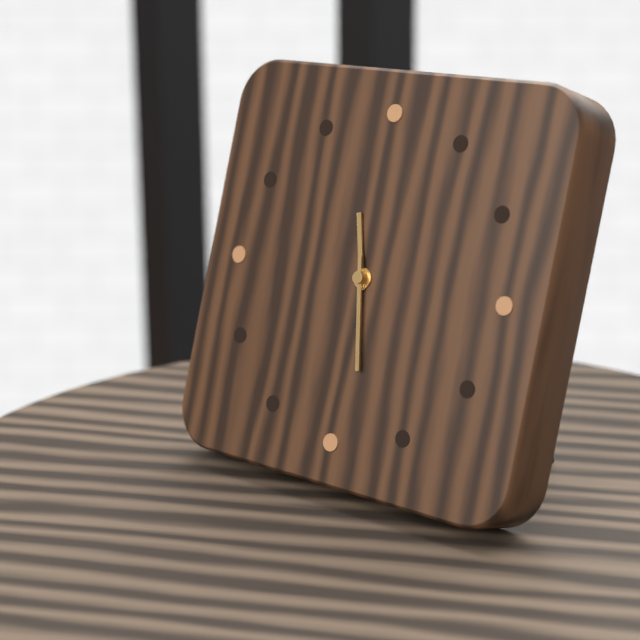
11,28
